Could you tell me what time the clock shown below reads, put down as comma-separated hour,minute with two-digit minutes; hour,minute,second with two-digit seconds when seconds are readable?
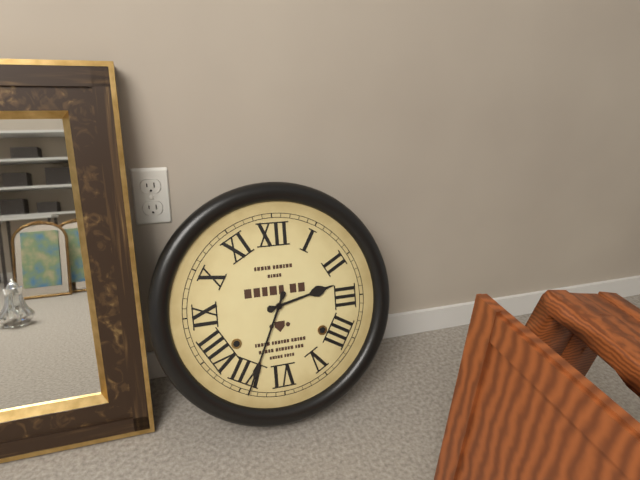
2,34
